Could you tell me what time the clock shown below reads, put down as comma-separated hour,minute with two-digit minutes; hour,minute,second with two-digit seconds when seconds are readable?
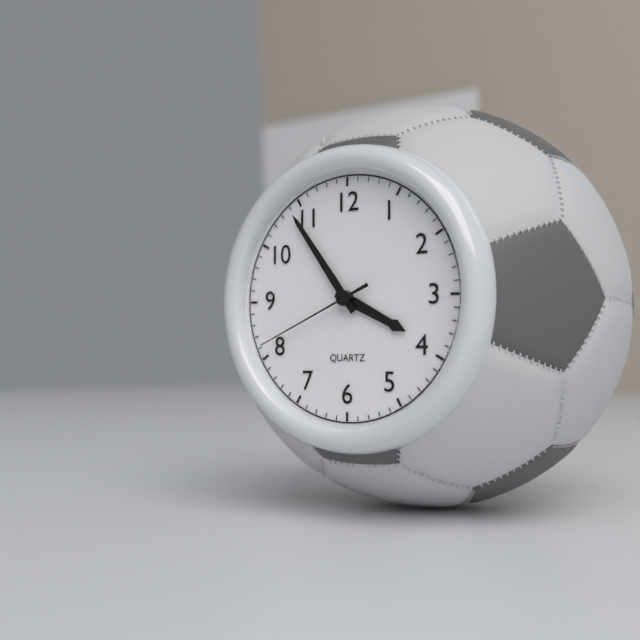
3,54,41
